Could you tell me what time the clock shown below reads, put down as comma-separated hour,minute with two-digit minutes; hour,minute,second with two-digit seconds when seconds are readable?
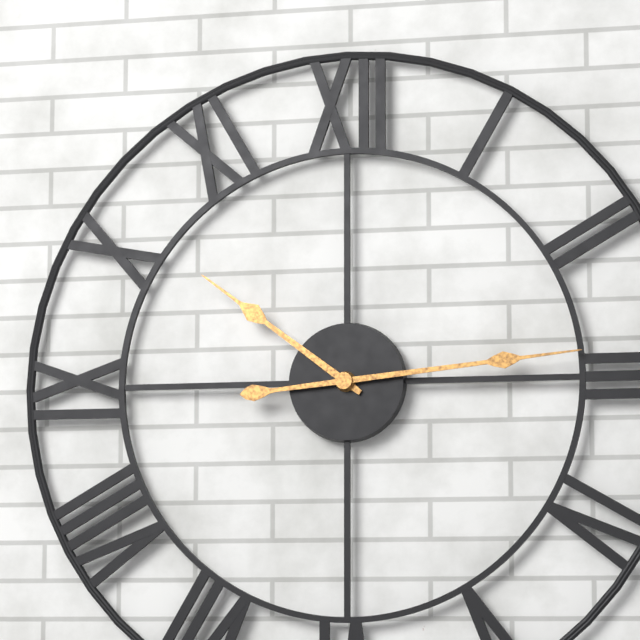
10,14
